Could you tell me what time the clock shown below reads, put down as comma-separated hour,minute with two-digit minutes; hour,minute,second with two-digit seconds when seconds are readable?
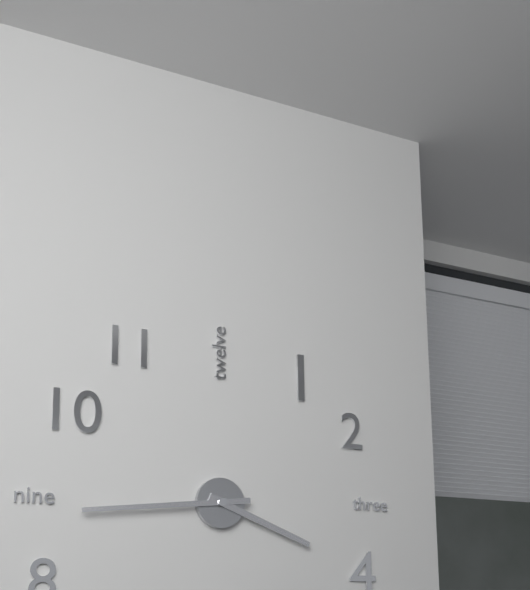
3,44
